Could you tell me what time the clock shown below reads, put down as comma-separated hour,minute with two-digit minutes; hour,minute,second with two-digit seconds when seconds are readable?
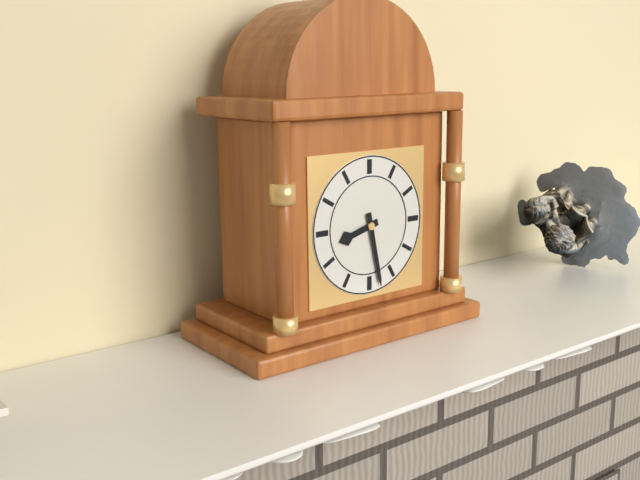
8,28
